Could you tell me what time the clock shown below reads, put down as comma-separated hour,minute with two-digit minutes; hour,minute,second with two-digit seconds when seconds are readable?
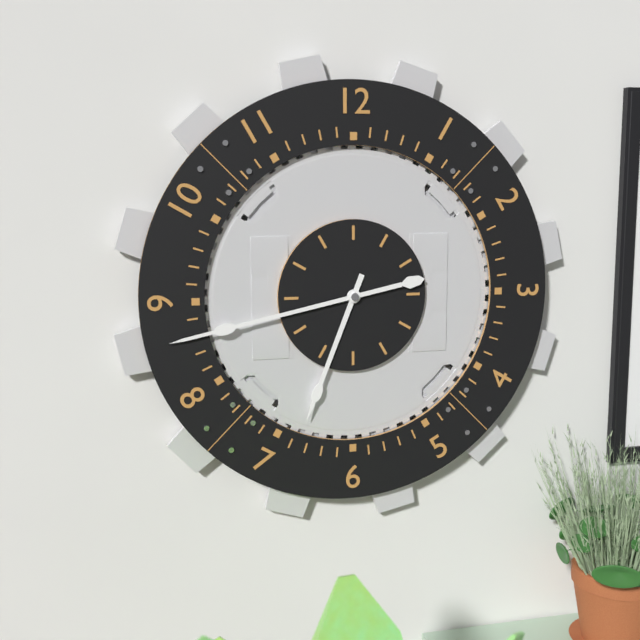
6,43
